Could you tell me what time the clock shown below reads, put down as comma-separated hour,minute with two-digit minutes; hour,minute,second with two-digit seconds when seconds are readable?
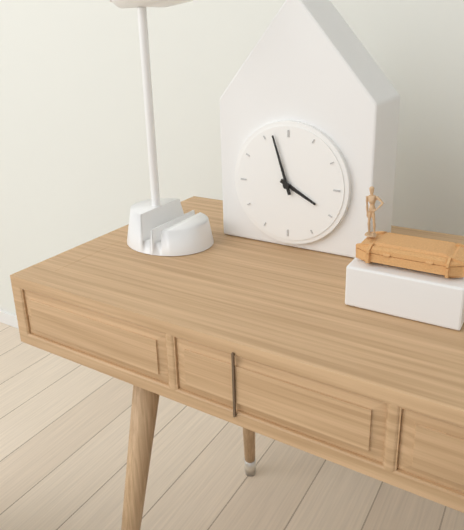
3,57
